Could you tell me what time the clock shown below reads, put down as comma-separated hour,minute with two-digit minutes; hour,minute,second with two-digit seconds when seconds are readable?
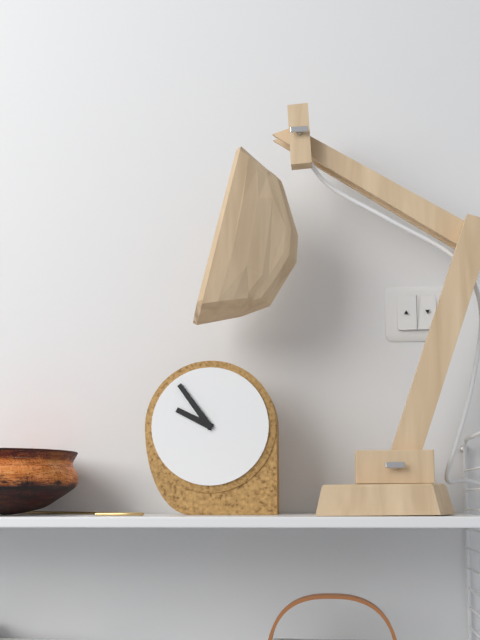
9,54
